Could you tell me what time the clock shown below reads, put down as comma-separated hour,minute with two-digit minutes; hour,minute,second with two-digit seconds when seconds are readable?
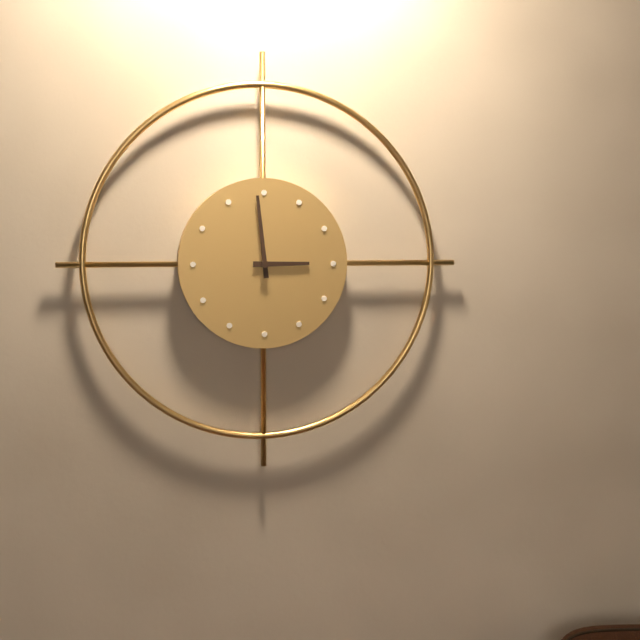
2,59
